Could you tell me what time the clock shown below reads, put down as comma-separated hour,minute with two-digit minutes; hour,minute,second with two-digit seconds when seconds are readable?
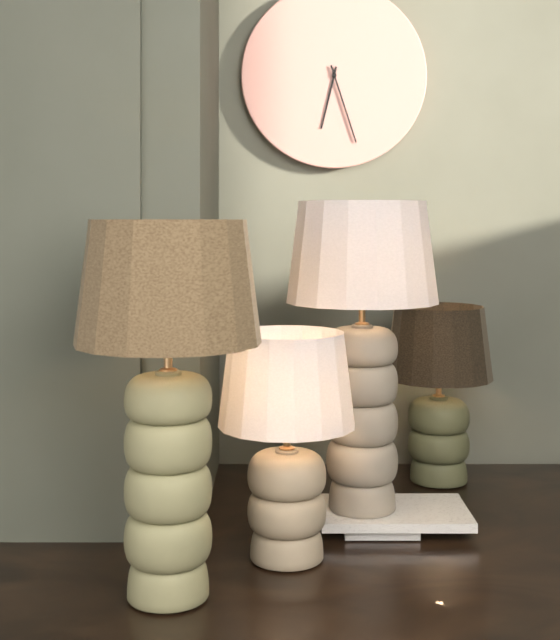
6,27
